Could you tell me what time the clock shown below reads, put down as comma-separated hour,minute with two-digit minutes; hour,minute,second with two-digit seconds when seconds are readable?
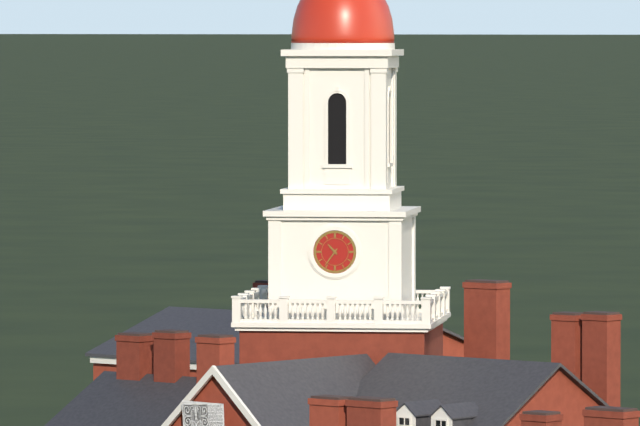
10,36
